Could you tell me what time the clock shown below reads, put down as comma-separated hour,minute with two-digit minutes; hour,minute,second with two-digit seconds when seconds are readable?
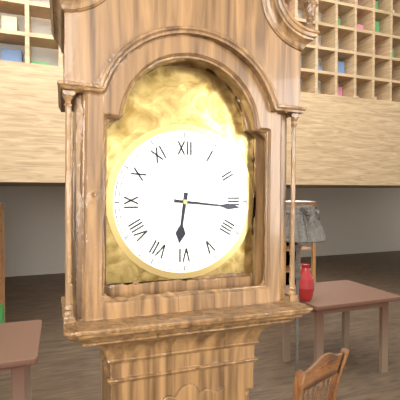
6,16
